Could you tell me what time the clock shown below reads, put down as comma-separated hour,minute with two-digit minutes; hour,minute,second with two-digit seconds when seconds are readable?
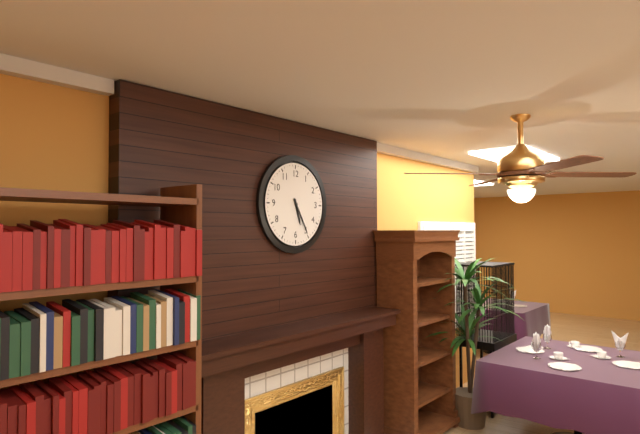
5,25
